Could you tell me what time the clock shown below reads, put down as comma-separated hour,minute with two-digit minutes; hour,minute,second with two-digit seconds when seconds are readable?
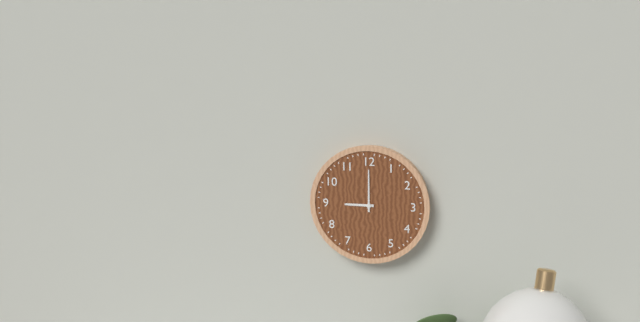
9,00
